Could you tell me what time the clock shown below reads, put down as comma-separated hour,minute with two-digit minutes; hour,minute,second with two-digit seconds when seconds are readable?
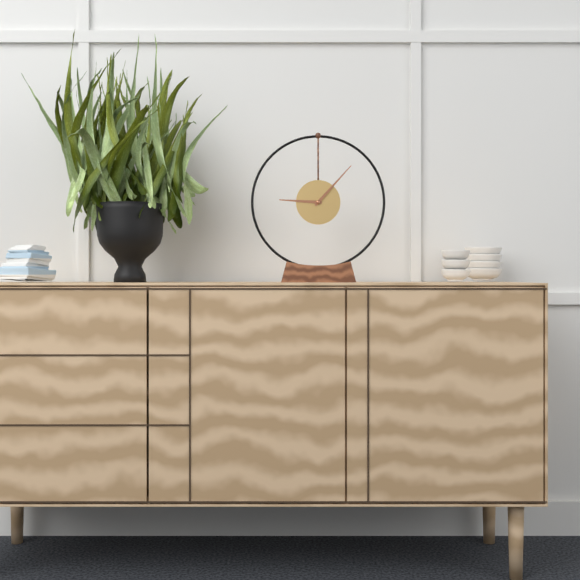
9,07
